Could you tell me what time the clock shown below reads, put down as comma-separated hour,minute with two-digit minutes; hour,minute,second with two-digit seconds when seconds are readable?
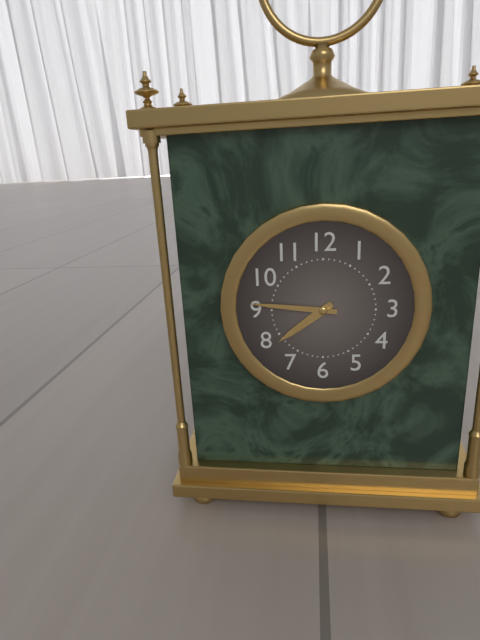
7,46
